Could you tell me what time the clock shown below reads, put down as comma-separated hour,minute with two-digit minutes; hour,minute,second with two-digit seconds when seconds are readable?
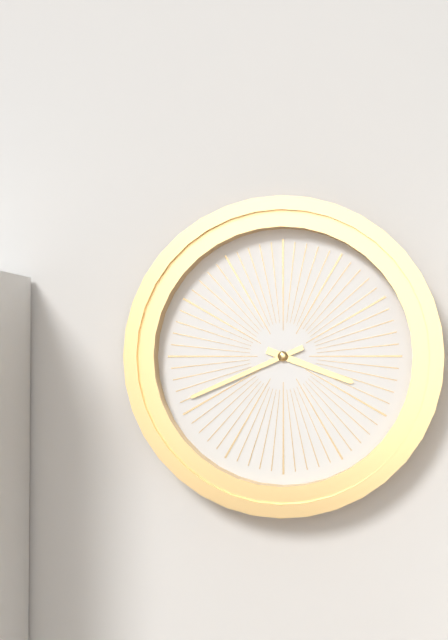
3,41
